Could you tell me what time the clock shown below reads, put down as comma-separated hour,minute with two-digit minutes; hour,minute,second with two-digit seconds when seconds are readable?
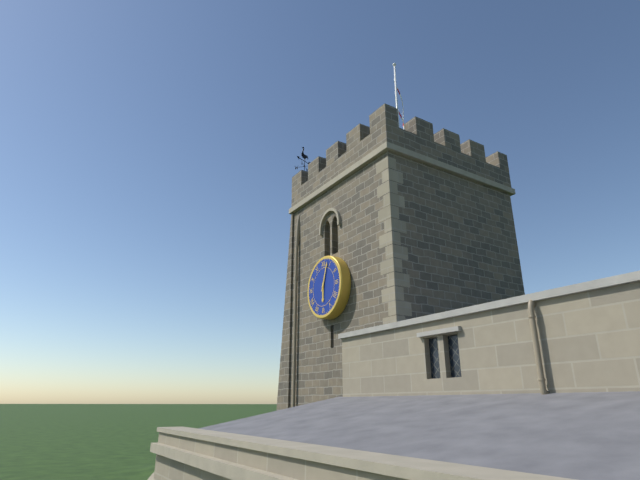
6,03
